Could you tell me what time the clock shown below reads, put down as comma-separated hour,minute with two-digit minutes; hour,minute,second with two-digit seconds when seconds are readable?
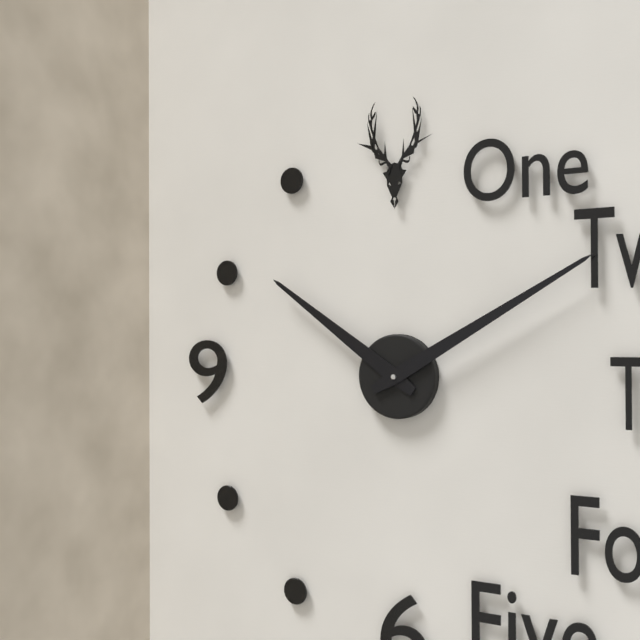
10,10
